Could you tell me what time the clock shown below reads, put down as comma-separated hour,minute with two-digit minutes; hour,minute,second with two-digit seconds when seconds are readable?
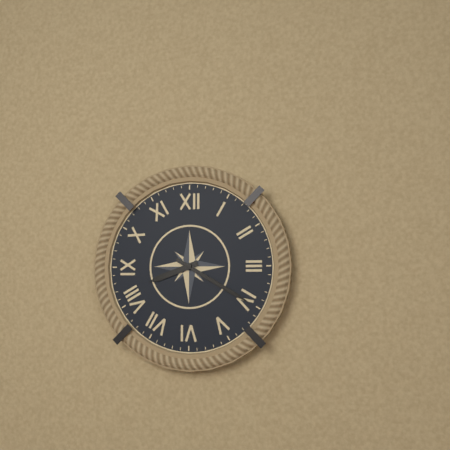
8,20
